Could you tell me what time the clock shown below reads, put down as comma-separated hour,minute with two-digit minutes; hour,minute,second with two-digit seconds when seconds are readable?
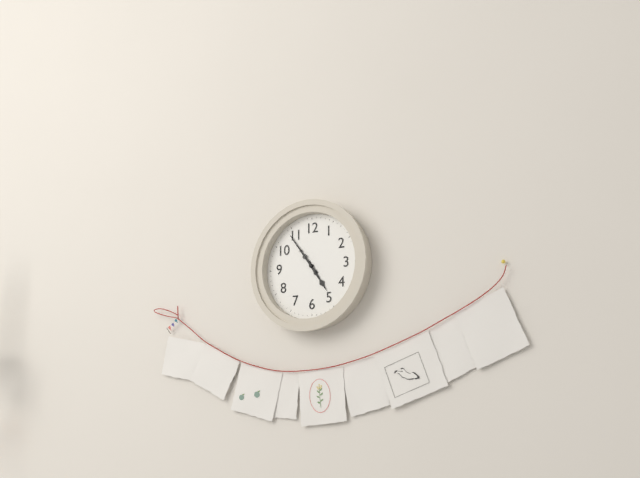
4,54
